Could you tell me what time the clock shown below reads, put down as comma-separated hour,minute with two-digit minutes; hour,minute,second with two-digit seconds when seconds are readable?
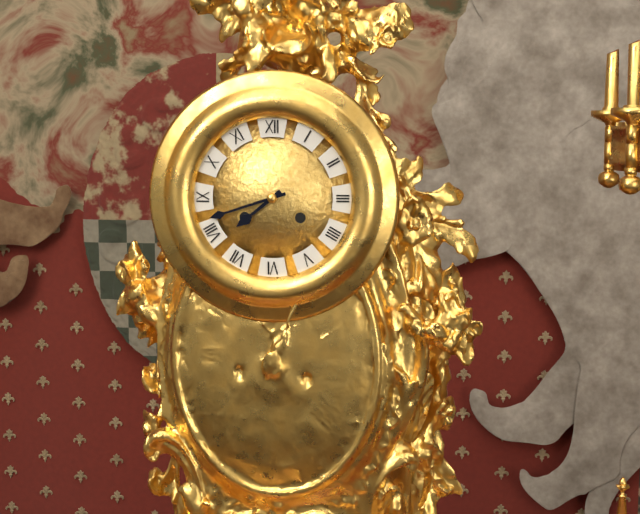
7,42
